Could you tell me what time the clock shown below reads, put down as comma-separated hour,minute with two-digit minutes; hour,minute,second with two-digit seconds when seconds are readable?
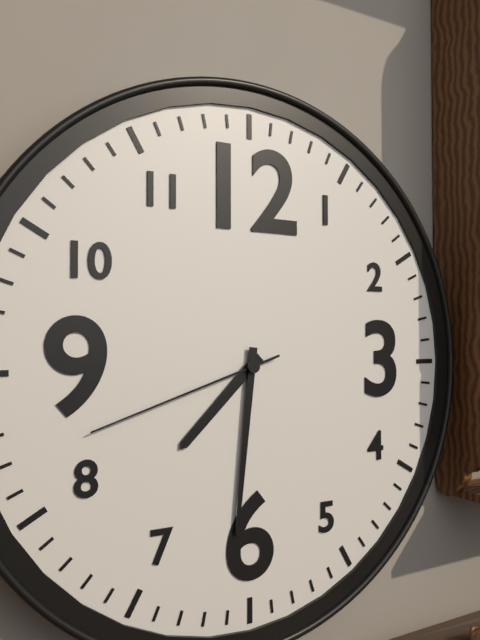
7,31,42
